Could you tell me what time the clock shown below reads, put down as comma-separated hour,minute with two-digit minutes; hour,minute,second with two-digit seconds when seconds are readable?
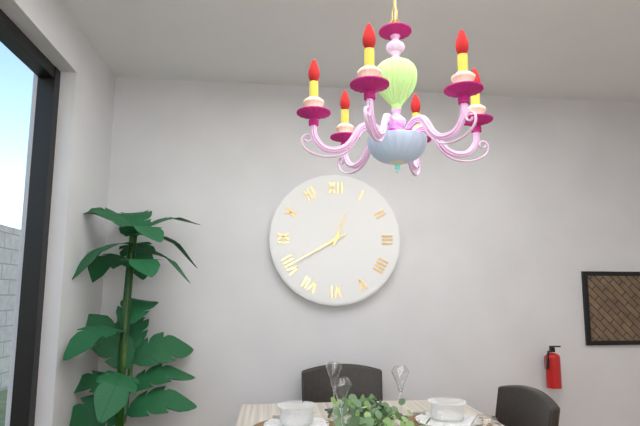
12,40
